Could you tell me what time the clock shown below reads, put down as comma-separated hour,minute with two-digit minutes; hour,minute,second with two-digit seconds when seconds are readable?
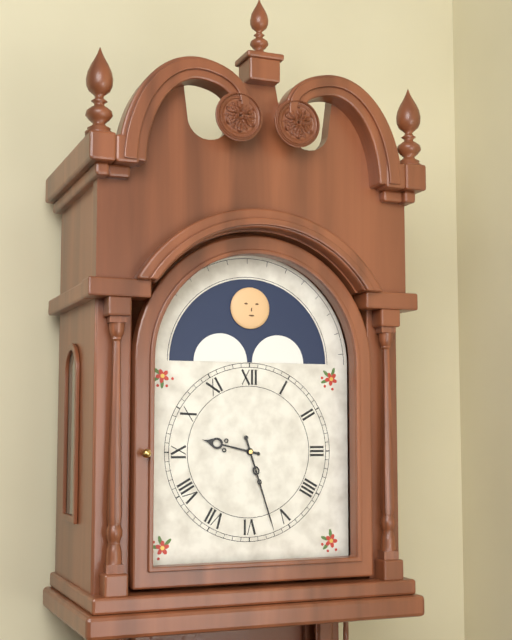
9,27
